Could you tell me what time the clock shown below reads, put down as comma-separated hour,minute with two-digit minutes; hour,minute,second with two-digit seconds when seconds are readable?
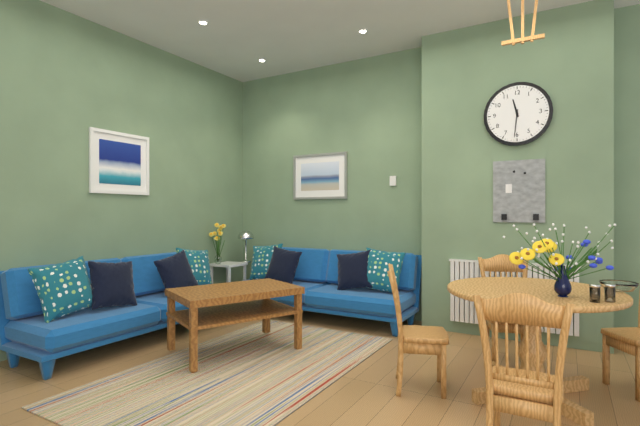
11,31
